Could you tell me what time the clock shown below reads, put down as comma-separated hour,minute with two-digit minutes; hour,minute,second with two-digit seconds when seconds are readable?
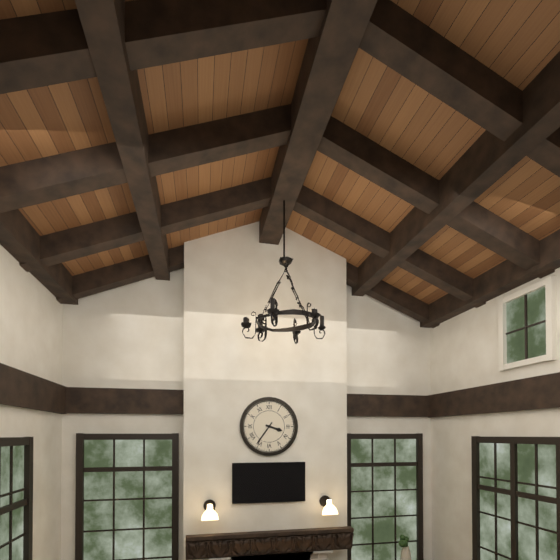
3,36
